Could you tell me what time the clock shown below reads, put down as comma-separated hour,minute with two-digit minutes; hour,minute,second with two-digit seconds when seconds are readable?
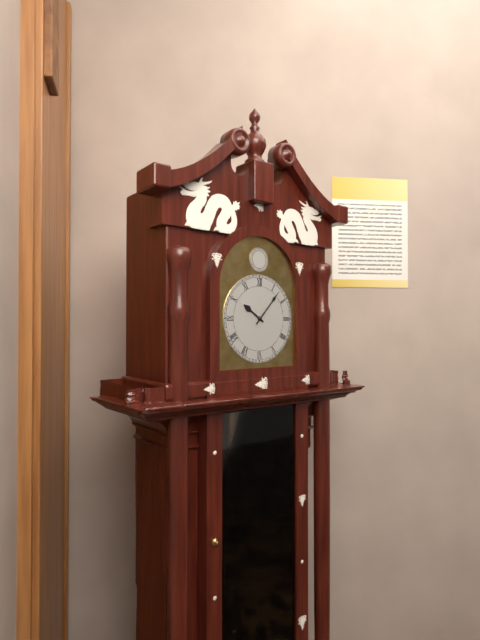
10,07
